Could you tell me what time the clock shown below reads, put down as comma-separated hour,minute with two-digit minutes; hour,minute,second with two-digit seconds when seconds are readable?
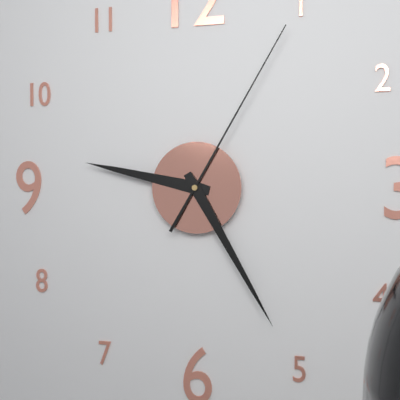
9,25,05
